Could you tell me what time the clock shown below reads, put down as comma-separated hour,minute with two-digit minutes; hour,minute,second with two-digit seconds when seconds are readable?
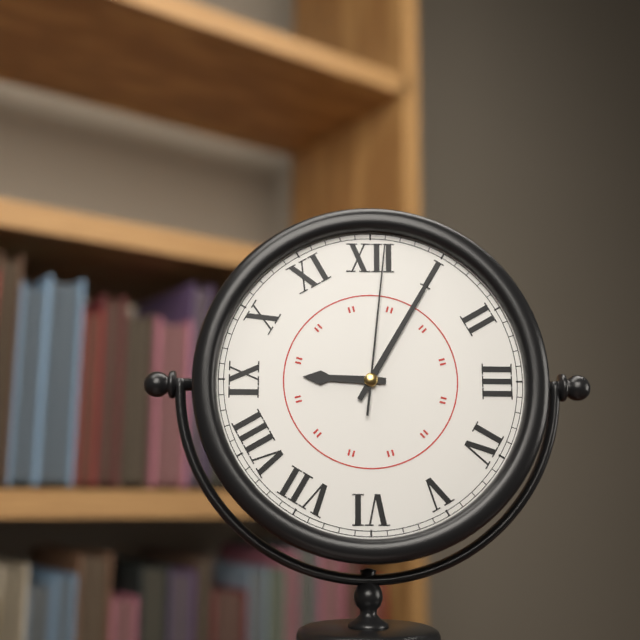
9,05,01
